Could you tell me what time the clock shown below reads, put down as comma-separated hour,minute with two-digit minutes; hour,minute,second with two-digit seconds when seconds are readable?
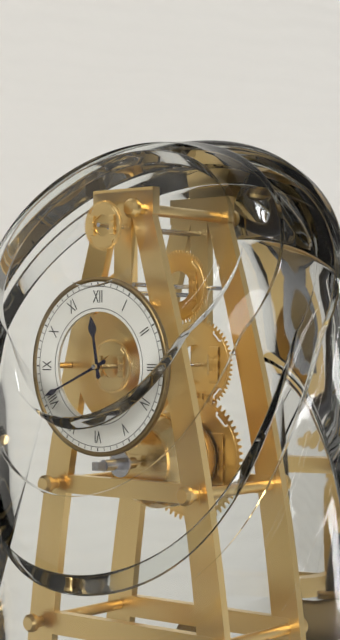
11,41
